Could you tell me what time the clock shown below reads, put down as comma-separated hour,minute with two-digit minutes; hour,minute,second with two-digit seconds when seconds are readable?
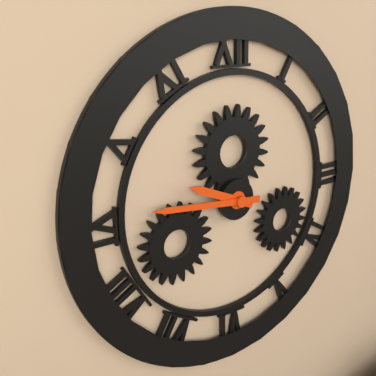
9,46
